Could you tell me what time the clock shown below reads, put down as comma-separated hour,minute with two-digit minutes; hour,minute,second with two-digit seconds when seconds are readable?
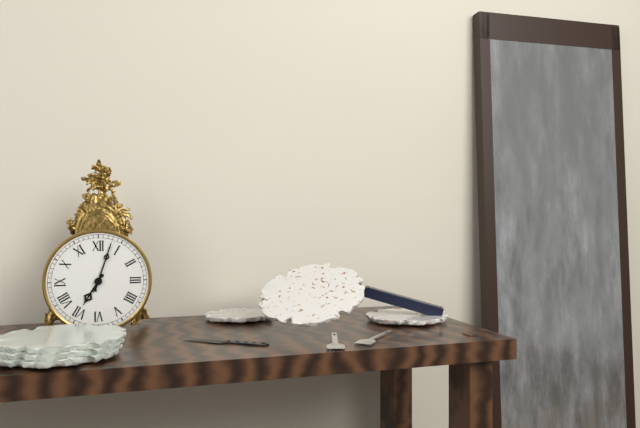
7,03
